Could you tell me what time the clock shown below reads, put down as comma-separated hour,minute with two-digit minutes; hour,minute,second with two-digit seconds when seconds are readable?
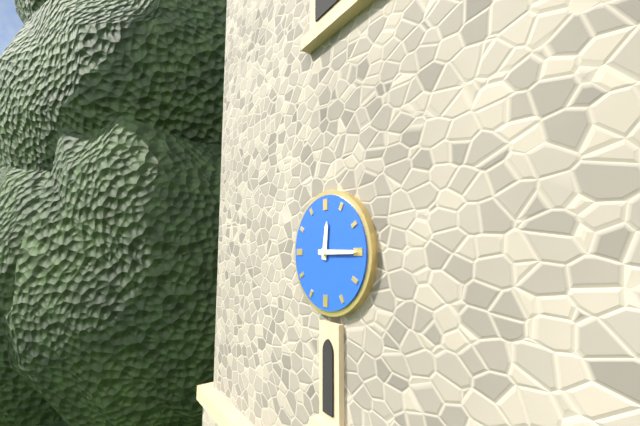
12,15
